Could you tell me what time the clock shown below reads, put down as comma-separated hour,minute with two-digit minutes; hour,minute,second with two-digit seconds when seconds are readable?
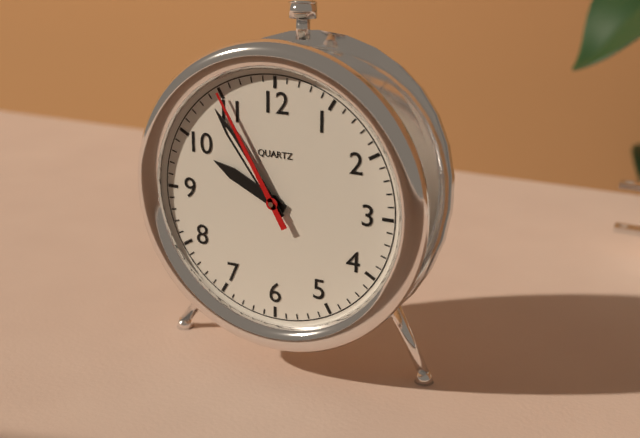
9,54,55
